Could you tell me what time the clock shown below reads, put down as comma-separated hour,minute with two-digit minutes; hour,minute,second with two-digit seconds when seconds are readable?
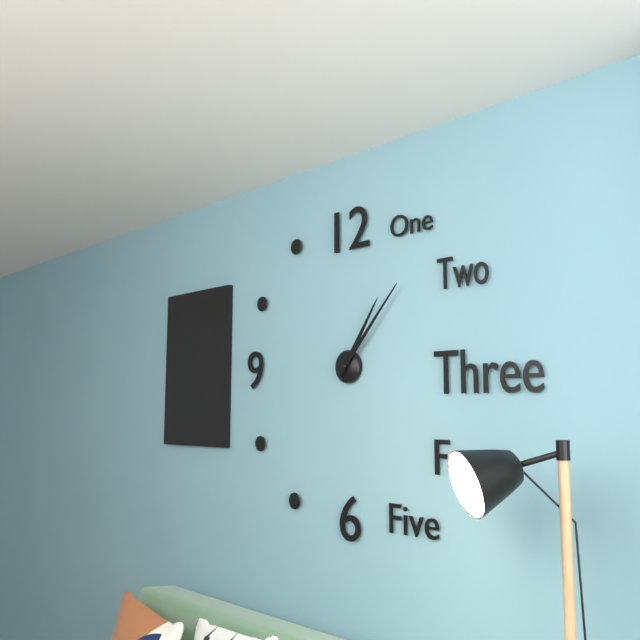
1,07
